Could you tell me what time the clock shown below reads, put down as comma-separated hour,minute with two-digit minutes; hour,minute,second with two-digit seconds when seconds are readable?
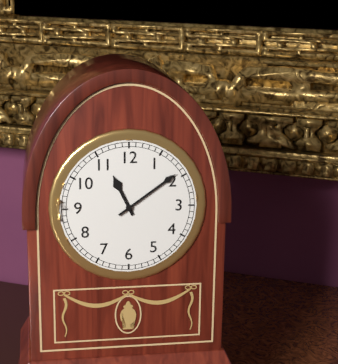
11,09
